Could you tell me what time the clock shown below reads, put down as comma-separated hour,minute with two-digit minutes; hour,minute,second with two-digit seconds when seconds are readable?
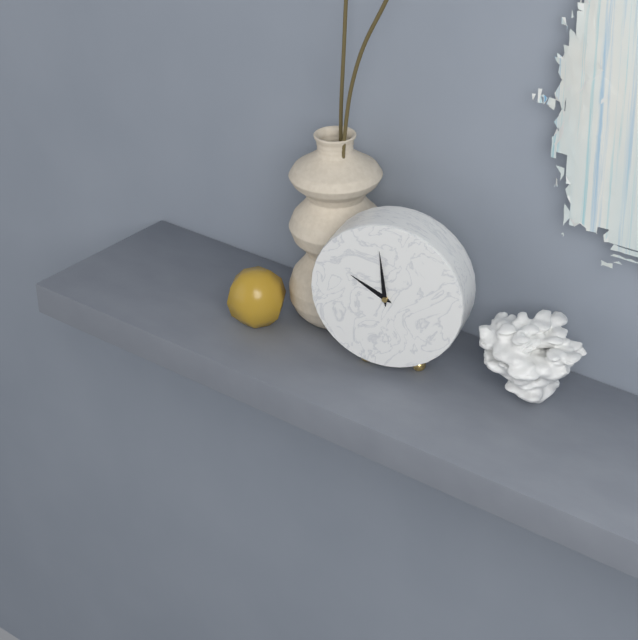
9,59
